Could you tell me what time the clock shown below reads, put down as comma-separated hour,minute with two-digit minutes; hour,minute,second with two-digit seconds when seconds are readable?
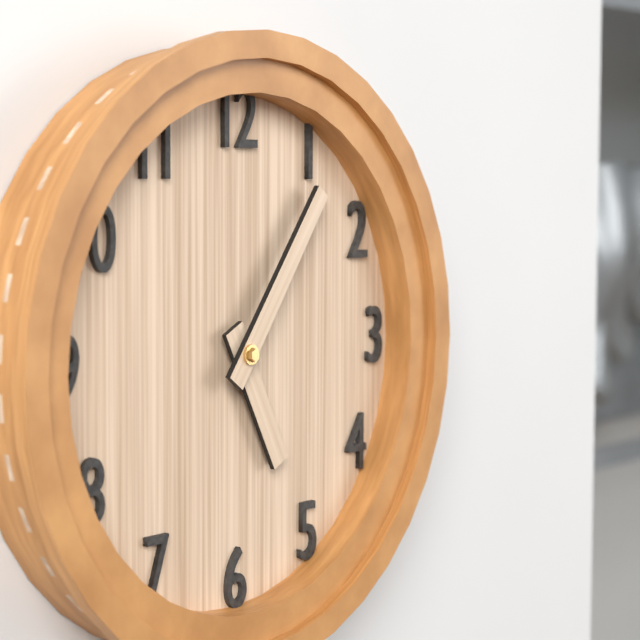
5,06
